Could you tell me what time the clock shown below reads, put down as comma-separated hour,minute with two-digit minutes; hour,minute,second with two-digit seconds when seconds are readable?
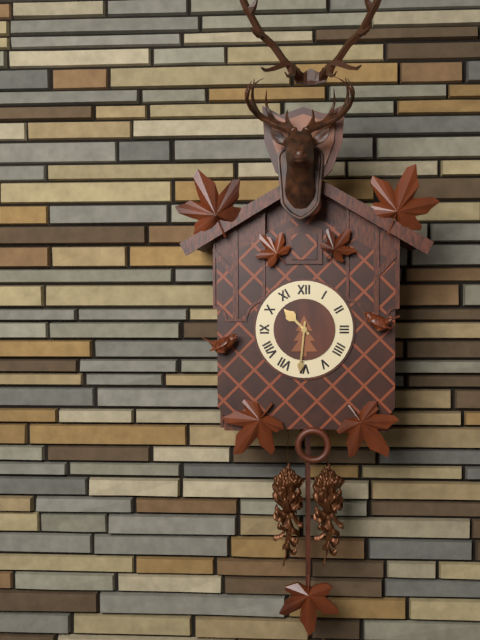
10,31
